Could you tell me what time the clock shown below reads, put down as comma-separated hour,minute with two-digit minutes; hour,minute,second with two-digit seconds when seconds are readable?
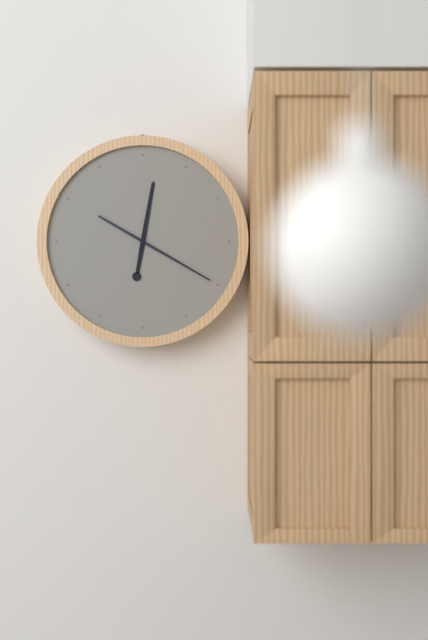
12,20
